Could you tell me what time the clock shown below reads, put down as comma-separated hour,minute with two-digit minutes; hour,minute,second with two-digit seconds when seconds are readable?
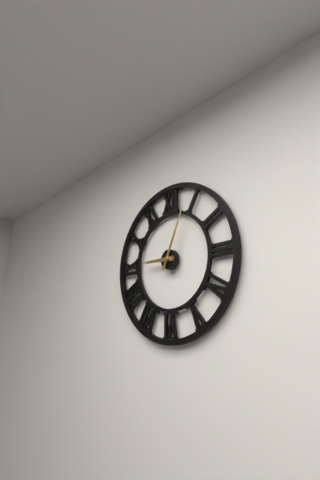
9,04
